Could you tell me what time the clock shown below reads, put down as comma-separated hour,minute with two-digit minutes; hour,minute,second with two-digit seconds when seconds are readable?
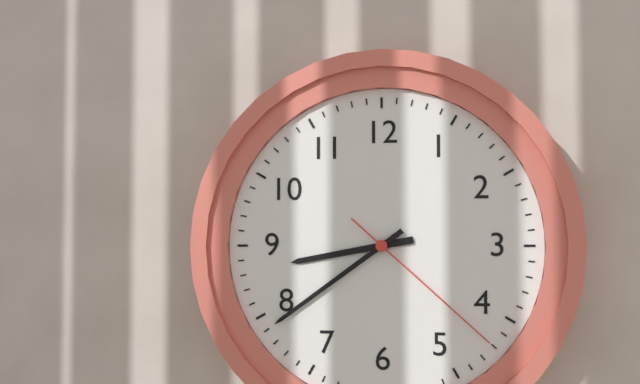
8,39,22
